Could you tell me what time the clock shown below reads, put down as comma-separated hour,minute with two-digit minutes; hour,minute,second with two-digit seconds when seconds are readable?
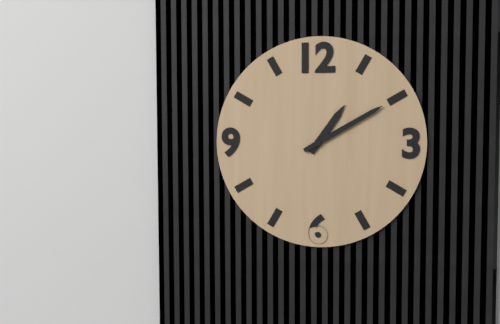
1,10
